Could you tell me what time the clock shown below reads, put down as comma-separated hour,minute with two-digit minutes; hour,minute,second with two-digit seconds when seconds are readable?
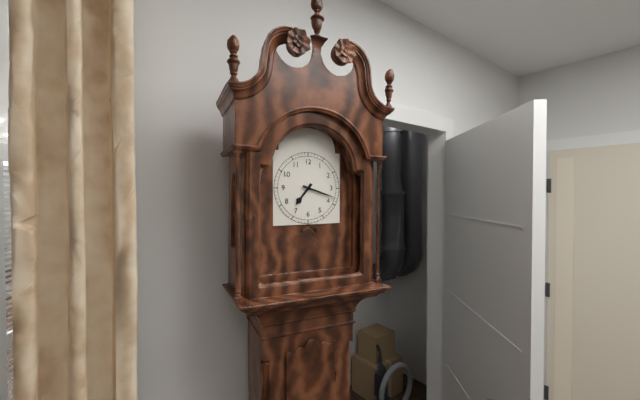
7,18
